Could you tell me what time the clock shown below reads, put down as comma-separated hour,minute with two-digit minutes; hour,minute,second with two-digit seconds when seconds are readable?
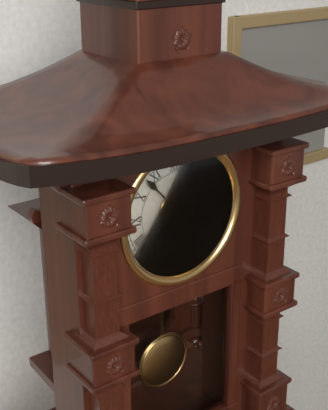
3,53
